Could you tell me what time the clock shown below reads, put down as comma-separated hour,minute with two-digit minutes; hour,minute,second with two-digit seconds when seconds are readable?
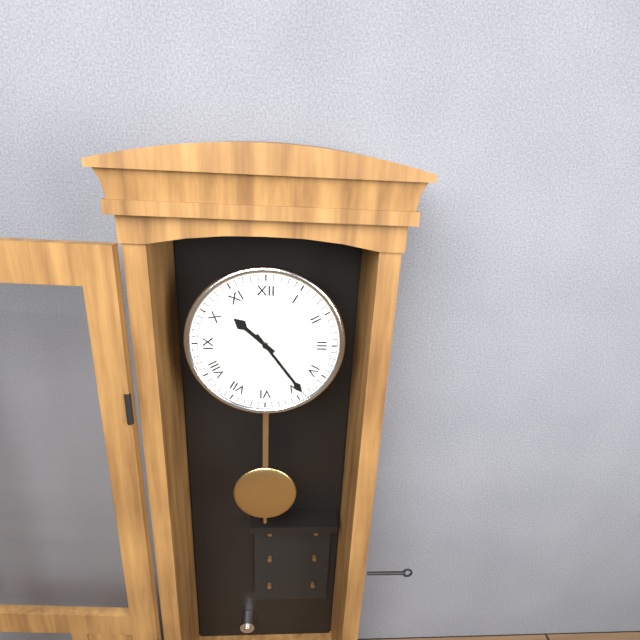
10,24
